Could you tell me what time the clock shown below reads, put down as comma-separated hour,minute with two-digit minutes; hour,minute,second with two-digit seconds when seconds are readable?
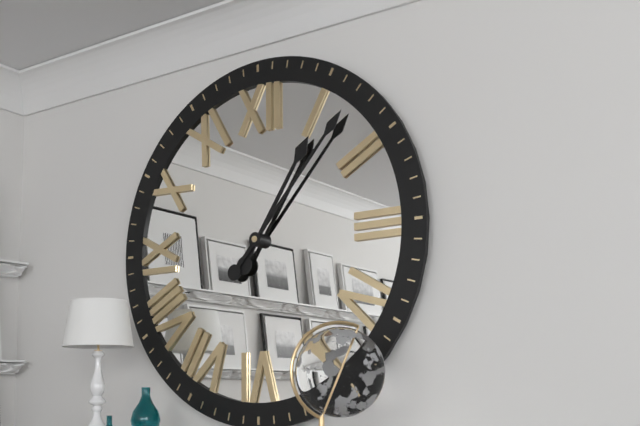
1,07
